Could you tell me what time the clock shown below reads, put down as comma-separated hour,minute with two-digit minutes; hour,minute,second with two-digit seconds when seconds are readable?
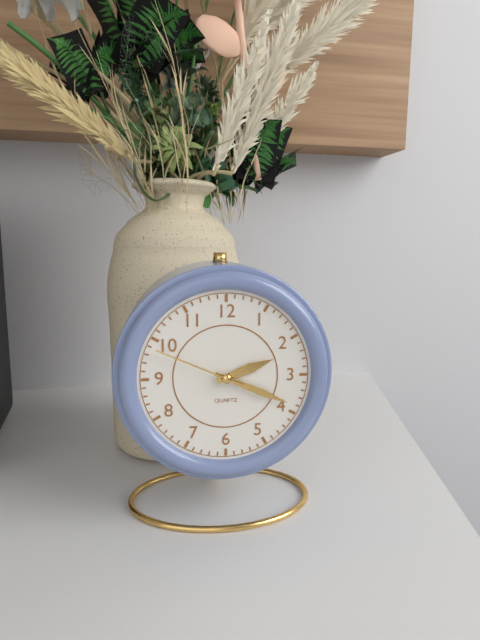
2,19,49
